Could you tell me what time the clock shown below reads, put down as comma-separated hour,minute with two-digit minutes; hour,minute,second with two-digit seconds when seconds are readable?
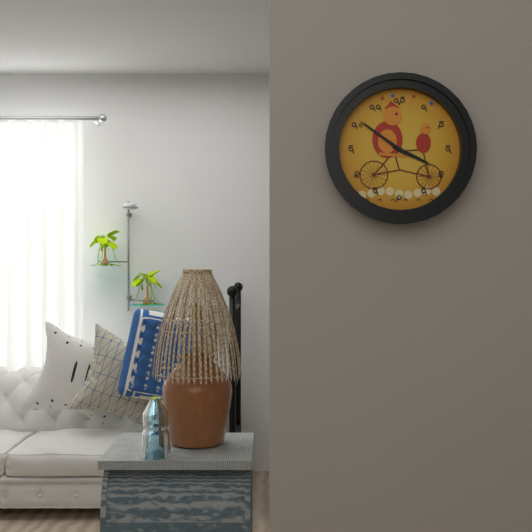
3,51
